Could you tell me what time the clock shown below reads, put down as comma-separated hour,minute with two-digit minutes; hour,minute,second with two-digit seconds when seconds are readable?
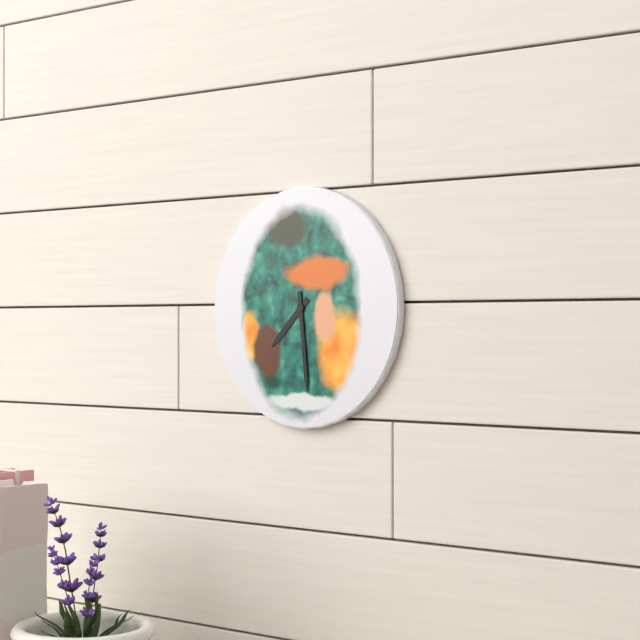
7,29
